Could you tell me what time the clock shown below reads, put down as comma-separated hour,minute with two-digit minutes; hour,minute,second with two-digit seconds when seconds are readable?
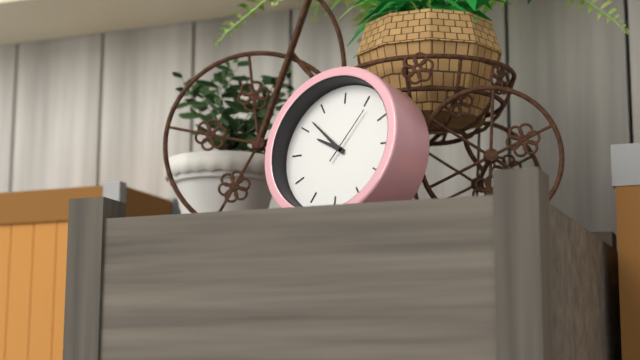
9,52,06
